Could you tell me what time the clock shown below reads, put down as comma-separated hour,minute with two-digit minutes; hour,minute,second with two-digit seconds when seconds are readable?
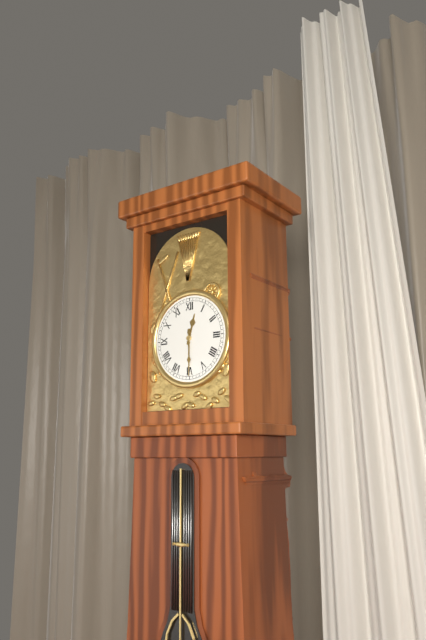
12,30
